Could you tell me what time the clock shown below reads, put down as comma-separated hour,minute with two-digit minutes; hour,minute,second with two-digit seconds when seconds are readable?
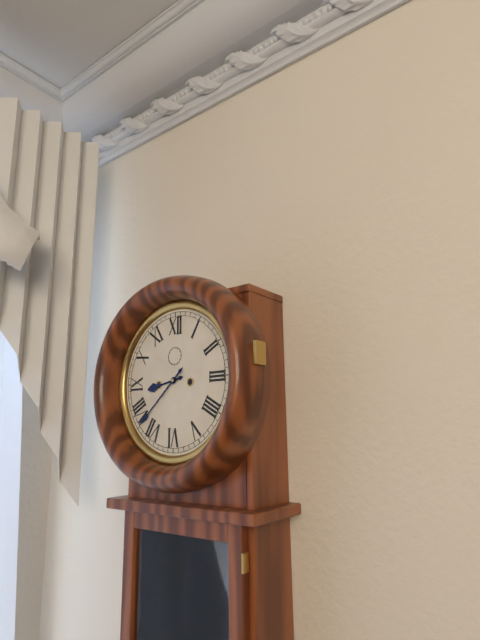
8,38
